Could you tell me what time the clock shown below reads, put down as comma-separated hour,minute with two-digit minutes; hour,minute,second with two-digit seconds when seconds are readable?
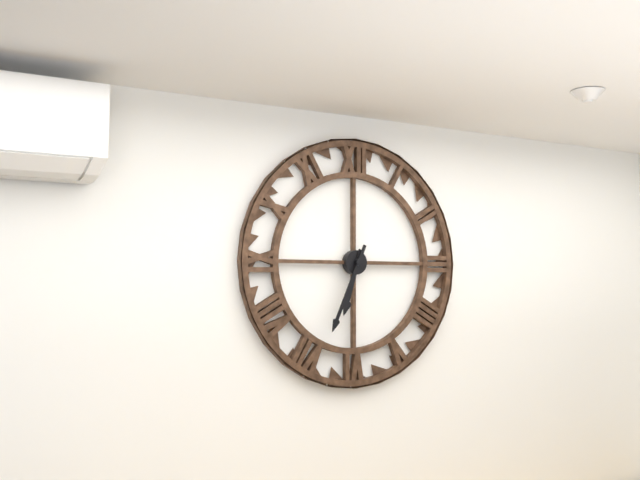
6,34
